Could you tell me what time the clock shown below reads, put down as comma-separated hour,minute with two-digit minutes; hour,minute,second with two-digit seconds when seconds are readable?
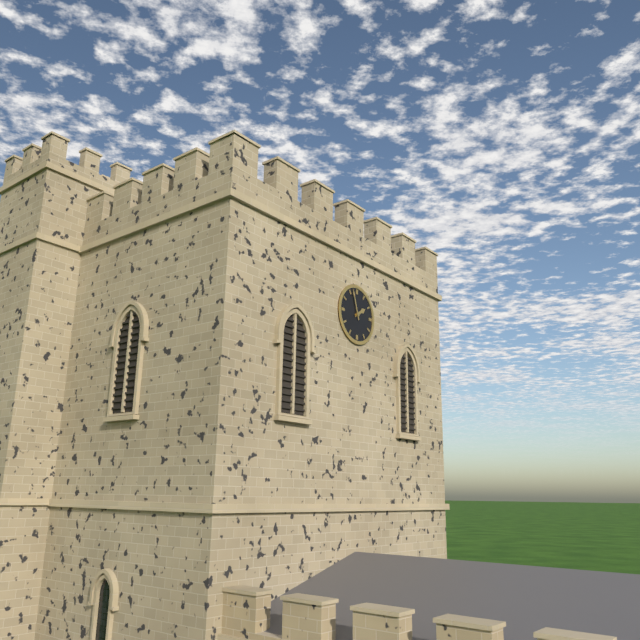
1,57
